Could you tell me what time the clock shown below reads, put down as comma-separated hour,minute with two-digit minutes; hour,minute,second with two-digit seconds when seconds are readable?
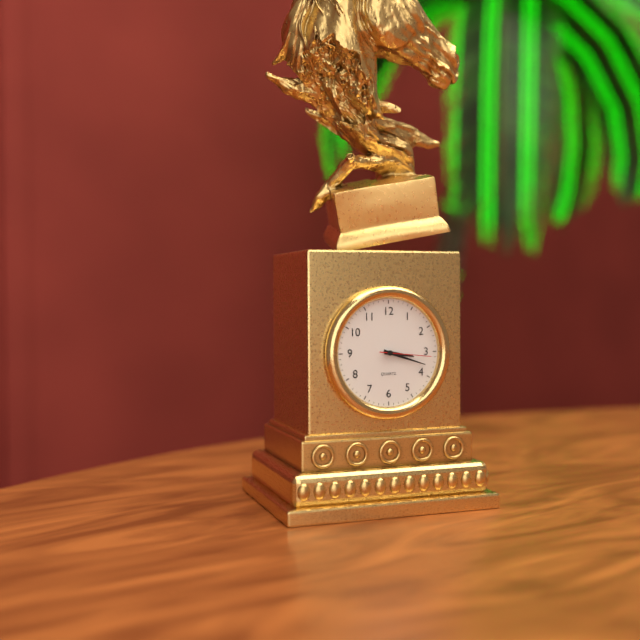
3,18,16
